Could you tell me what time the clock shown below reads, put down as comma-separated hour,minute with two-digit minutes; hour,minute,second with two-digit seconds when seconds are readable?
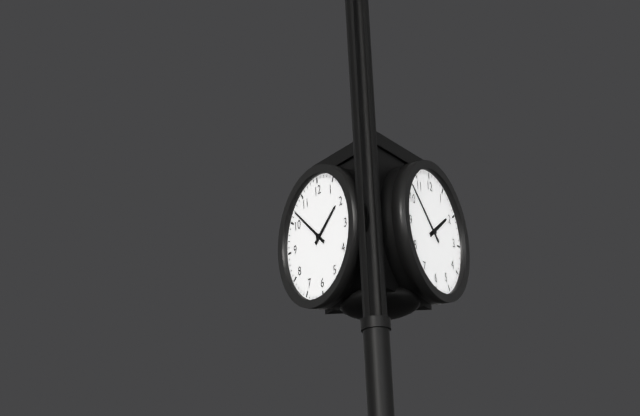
1,52
